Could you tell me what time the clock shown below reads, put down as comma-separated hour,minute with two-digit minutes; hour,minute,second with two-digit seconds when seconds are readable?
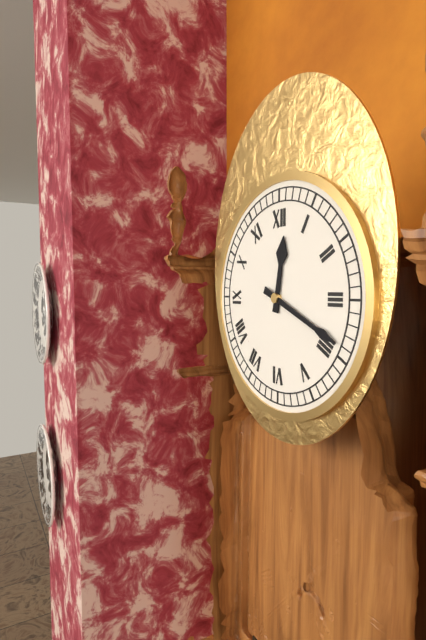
12,19
